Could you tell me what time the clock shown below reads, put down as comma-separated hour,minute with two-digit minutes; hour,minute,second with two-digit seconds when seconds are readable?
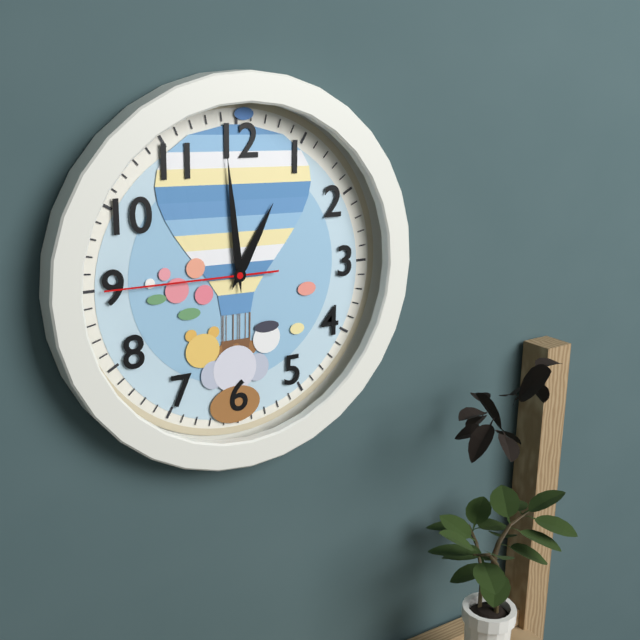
12,59,45
